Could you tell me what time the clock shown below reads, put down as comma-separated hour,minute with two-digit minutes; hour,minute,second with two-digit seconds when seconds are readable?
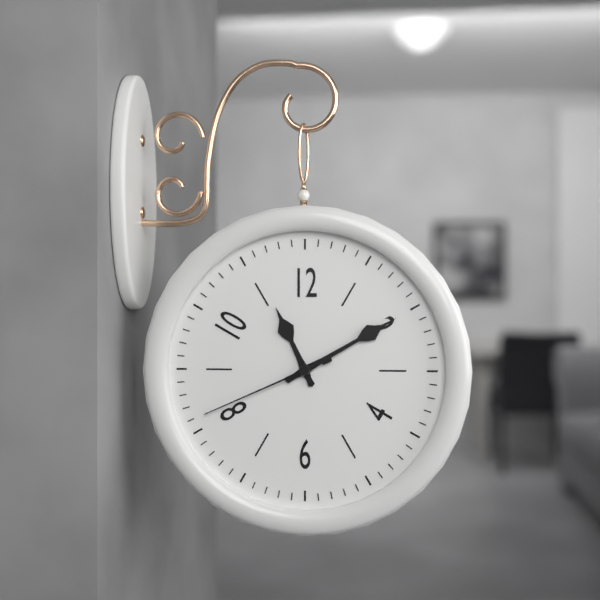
11,10,41
